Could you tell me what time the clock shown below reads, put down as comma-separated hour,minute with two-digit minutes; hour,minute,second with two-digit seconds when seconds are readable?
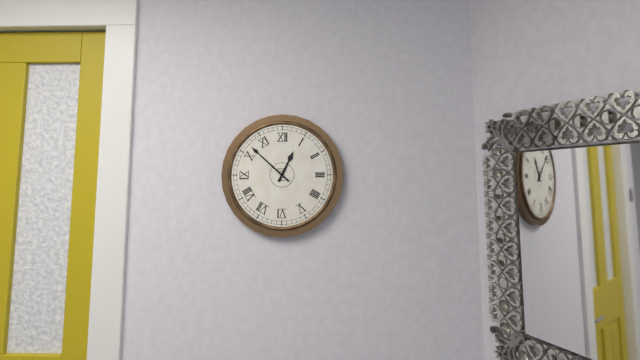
12,52
